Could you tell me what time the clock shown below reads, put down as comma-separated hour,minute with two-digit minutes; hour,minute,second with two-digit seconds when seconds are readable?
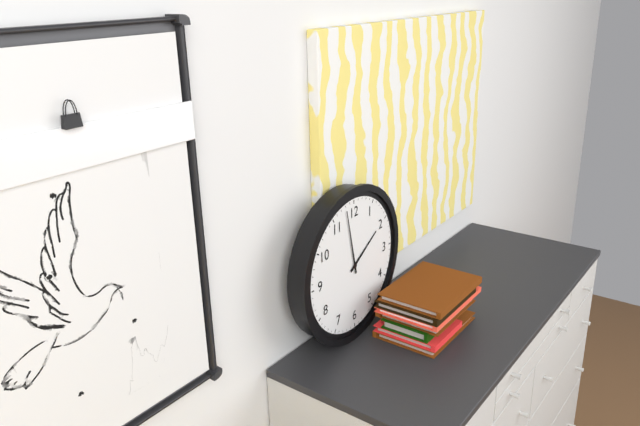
1,58
